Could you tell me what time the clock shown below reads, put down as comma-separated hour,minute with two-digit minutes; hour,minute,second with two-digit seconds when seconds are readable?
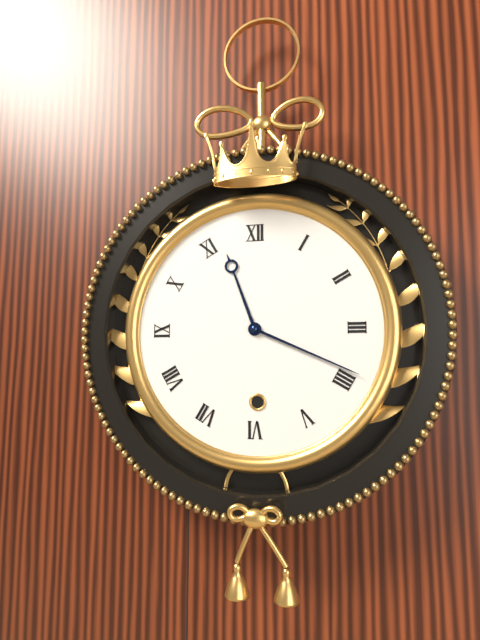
11,19
